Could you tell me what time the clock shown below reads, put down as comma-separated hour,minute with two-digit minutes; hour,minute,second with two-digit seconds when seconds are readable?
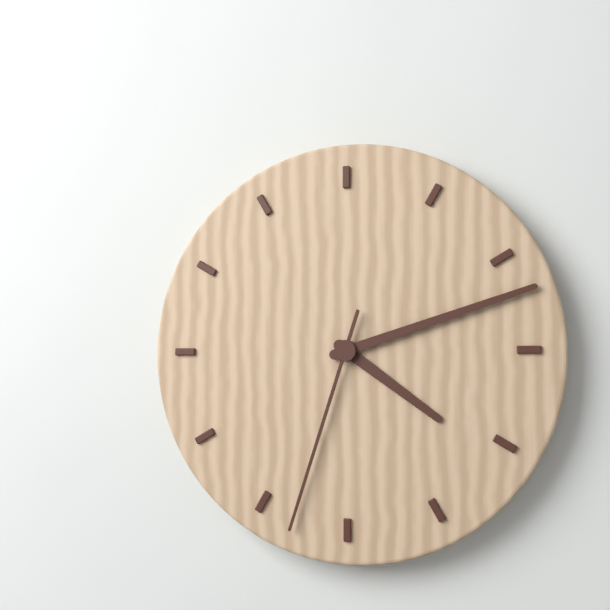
4,12,33
